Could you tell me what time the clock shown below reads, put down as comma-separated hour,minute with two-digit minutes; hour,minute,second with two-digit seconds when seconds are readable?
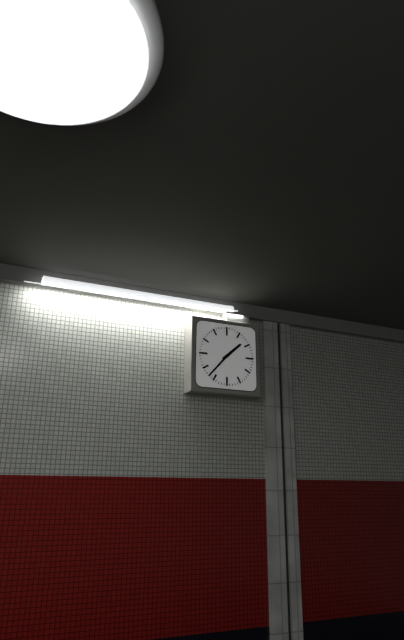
1,37
